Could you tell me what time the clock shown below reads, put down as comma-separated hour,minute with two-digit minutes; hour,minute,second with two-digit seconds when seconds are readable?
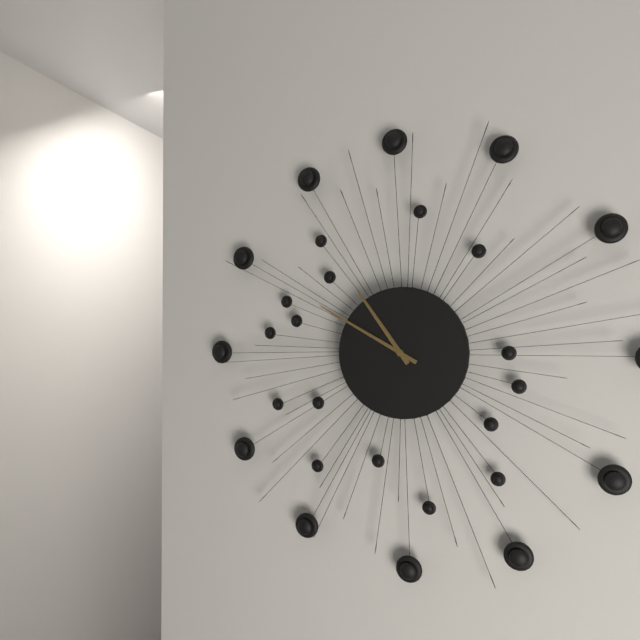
10,50
